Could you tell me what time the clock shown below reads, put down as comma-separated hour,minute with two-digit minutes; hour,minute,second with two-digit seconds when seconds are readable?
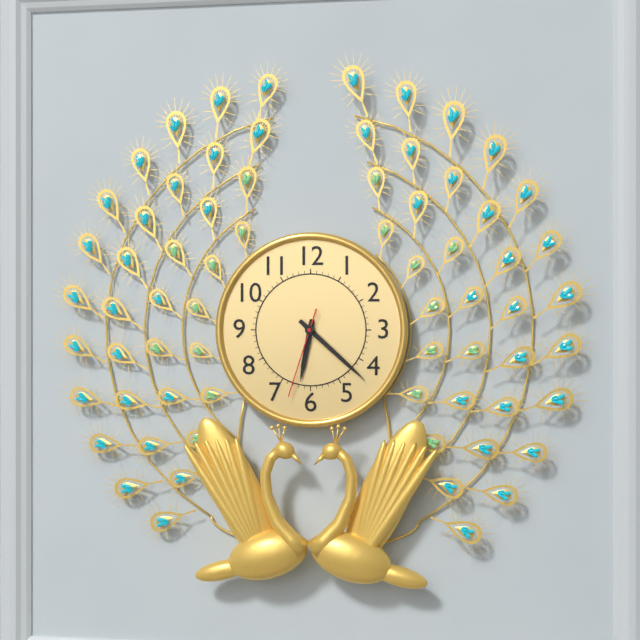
6,22,33
